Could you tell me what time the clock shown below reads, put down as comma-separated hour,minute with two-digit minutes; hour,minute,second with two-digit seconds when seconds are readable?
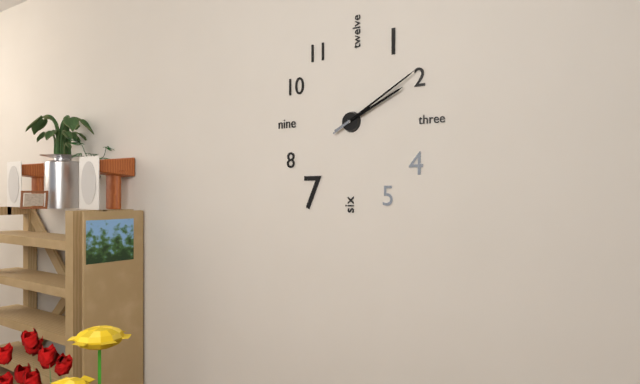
2,10
